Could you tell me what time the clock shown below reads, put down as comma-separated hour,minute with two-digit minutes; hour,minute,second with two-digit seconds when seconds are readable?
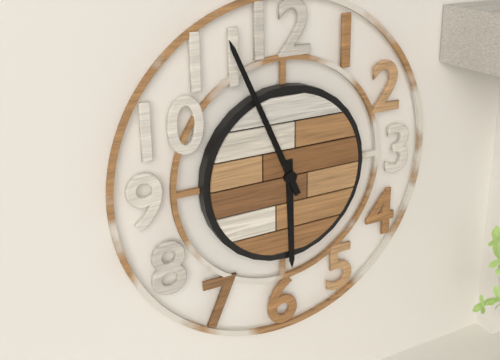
5,56
